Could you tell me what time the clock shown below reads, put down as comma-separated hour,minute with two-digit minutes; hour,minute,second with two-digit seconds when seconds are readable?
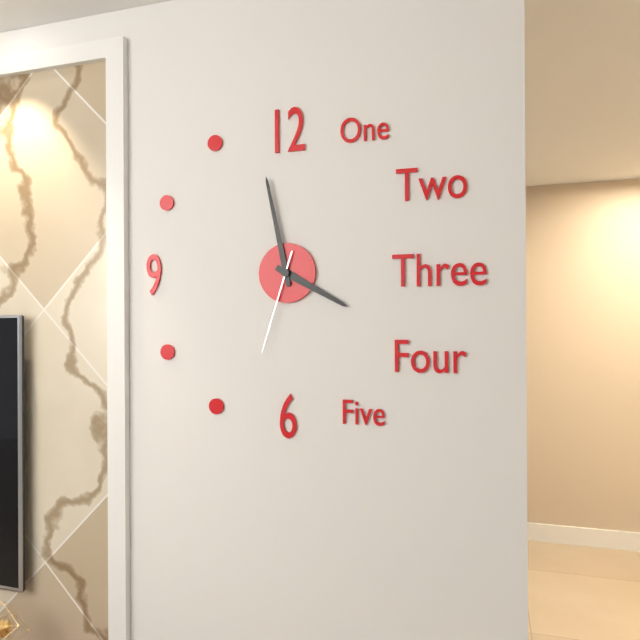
3,58,33
